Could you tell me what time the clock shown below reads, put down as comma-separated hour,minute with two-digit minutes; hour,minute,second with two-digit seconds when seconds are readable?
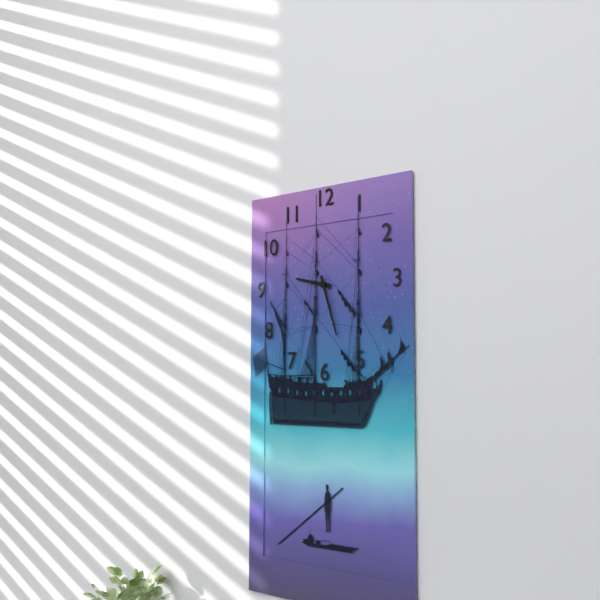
9,27
